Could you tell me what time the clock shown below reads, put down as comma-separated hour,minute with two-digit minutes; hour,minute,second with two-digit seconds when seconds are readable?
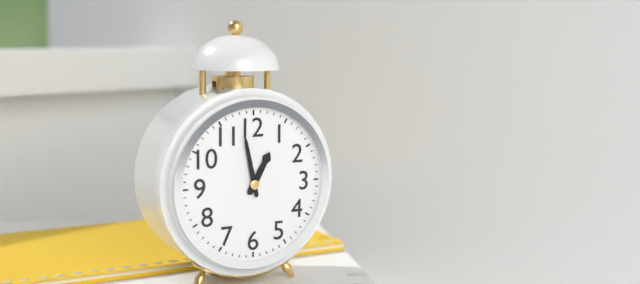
12,58
